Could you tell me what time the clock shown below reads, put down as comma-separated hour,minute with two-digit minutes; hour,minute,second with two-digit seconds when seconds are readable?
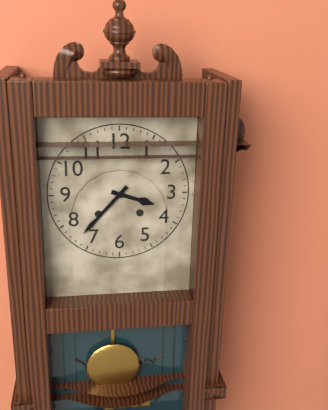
3,37
